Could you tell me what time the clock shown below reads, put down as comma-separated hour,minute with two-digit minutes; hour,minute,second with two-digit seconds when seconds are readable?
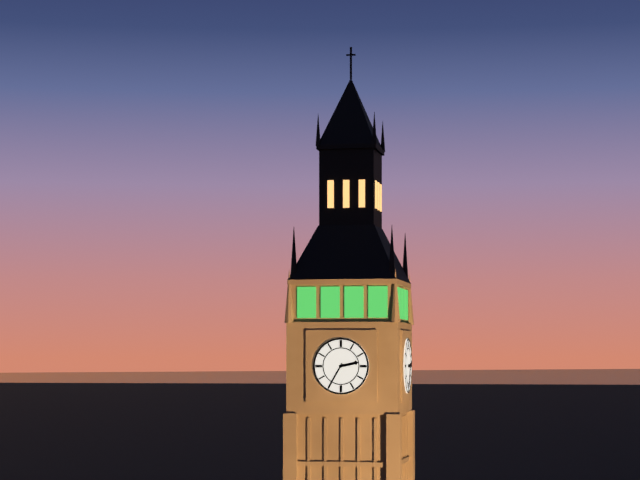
2,35
